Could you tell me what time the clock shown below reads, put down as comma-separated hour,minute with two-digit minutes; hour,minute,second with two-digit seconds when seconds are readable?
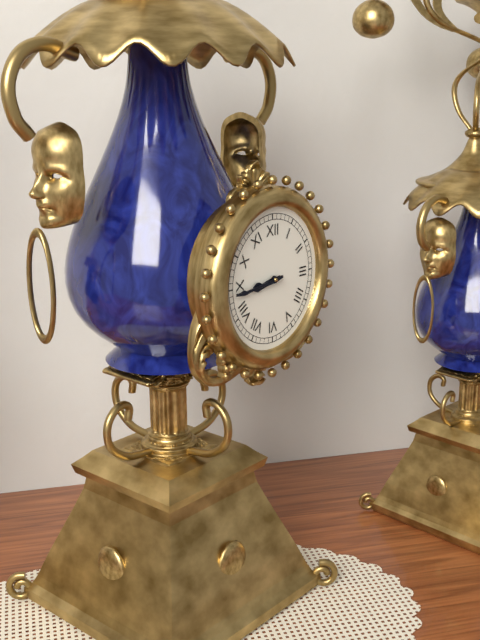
8,44
